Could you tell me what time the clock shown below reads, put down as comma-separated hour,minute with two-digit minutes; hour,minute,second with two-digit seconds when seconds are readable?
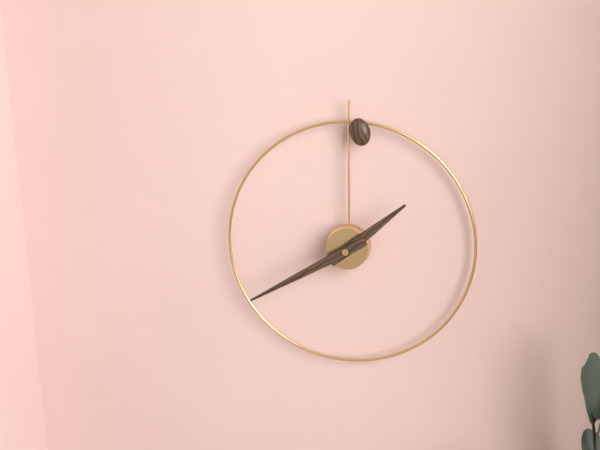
1,40
